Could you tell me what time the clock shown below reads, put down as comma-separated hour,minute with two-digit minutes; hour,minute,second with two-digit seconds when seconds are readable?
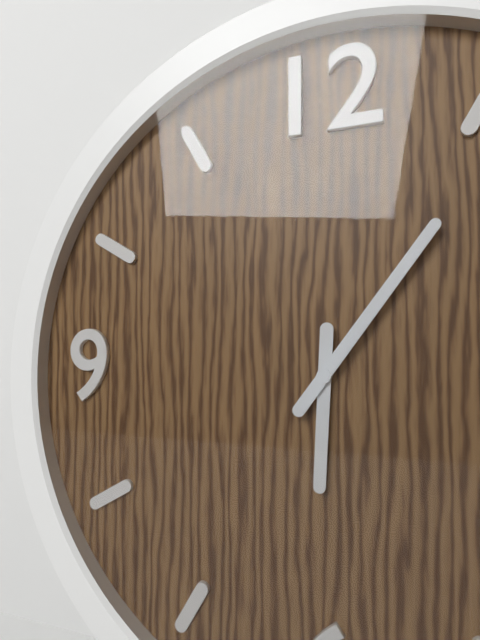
6,06
